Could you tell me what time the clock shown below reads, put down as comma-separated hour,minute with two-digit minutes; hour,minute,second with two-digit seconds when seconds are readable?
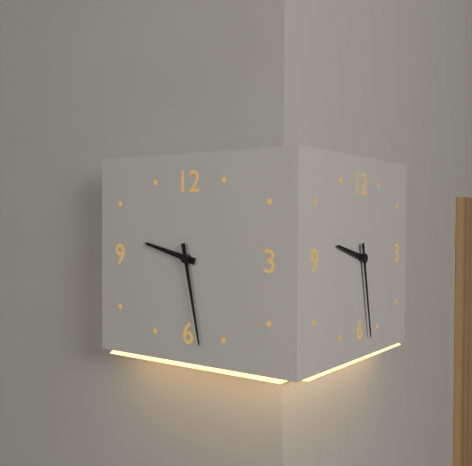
9,28
